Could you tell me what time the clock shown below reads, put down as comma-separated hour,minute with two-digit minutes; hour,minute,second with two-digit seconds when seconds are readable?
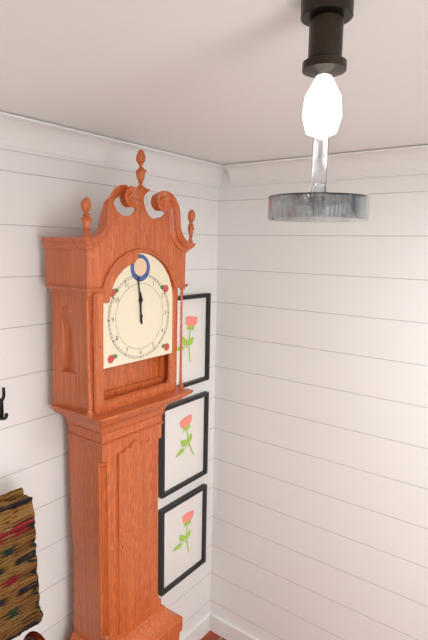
11,59
